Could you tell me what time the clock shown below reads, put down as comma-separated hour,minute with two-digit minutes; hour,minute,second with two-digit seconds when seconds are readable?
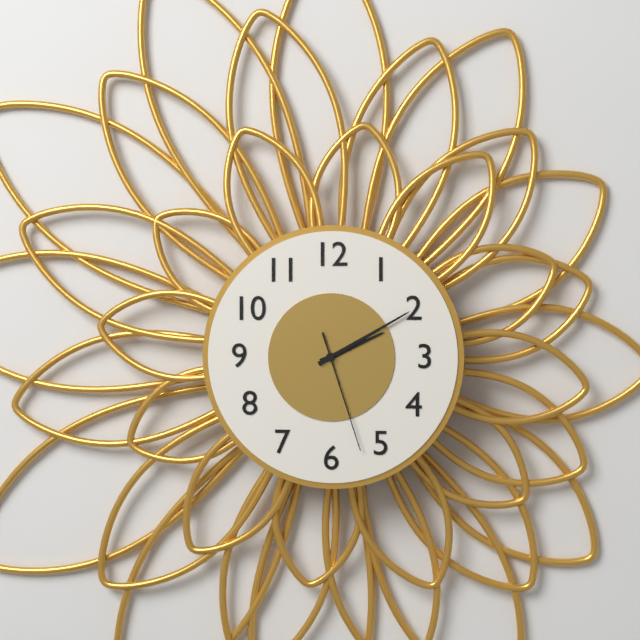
2,10,27
